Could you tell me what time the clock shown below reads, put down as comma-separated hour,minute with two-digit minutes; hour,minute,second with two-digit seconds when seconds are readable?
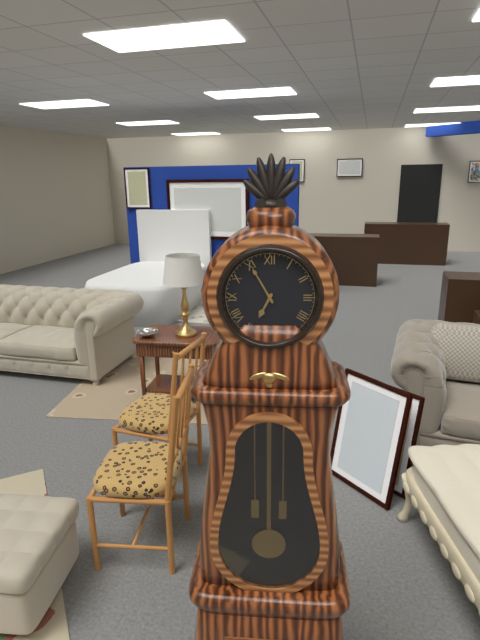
6,55
